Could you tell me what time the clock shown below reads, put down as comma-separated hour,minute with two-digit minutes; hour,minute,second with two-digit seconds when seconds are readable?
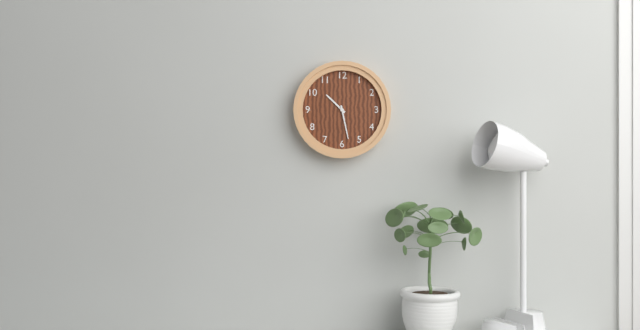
10,28
